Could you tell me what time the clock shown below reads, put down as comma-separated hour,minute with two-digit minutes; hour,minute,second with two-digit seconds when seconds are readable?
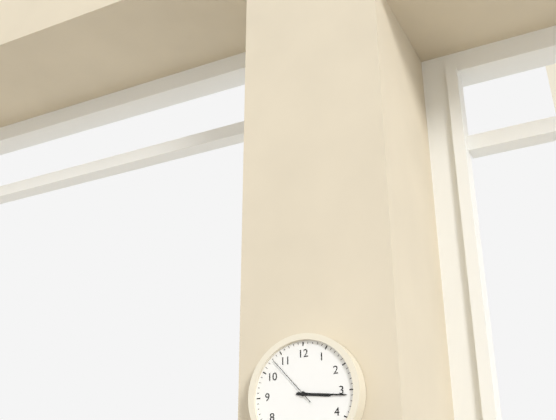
3,16,53
